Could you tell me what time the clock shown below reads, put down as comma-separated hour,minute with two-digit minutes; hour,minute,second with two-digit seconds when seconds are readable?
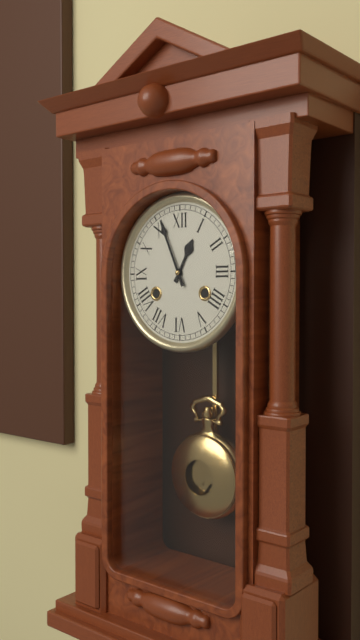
12,56
